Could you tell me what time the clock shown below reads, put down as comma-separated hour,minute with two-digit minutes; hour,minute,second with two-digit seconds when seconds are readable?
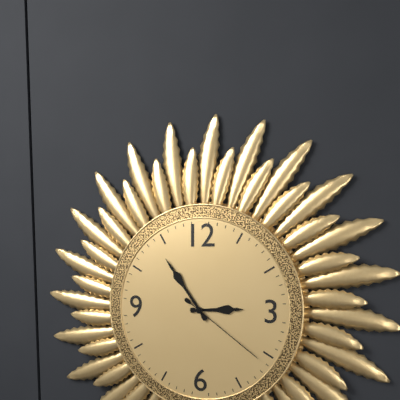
2,54,21
